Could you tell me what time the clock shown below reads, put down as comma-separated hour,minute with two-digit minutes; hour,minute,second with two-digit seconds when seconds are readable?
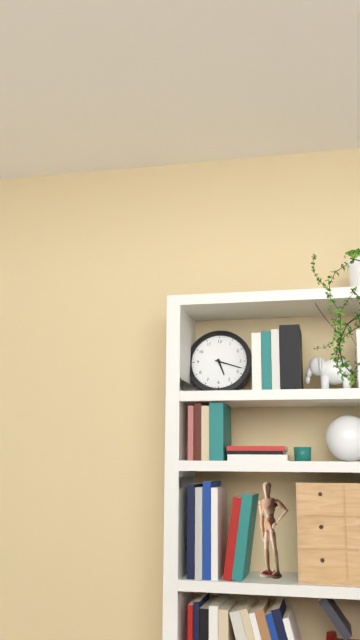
5,18
